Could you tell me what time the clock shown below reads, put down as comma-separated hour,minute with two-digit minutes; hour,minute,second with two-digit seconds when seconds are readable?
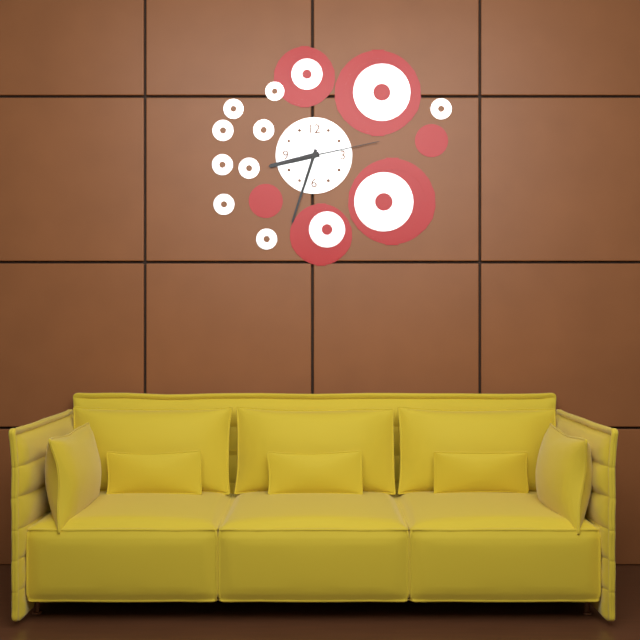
8,33,13
